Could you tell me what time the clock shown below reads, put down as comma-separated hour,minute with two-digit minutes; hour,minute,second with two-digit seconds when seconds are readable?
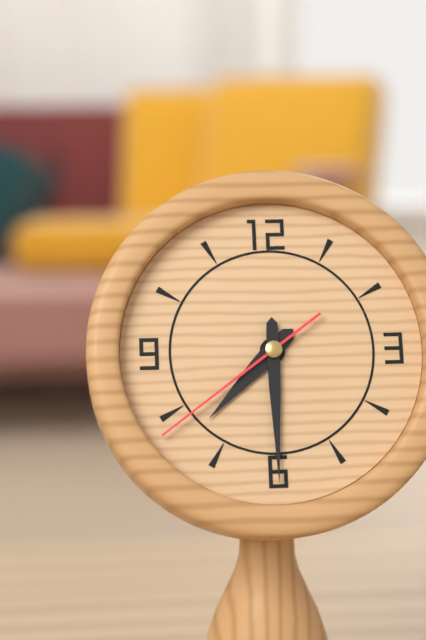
7,30,39
